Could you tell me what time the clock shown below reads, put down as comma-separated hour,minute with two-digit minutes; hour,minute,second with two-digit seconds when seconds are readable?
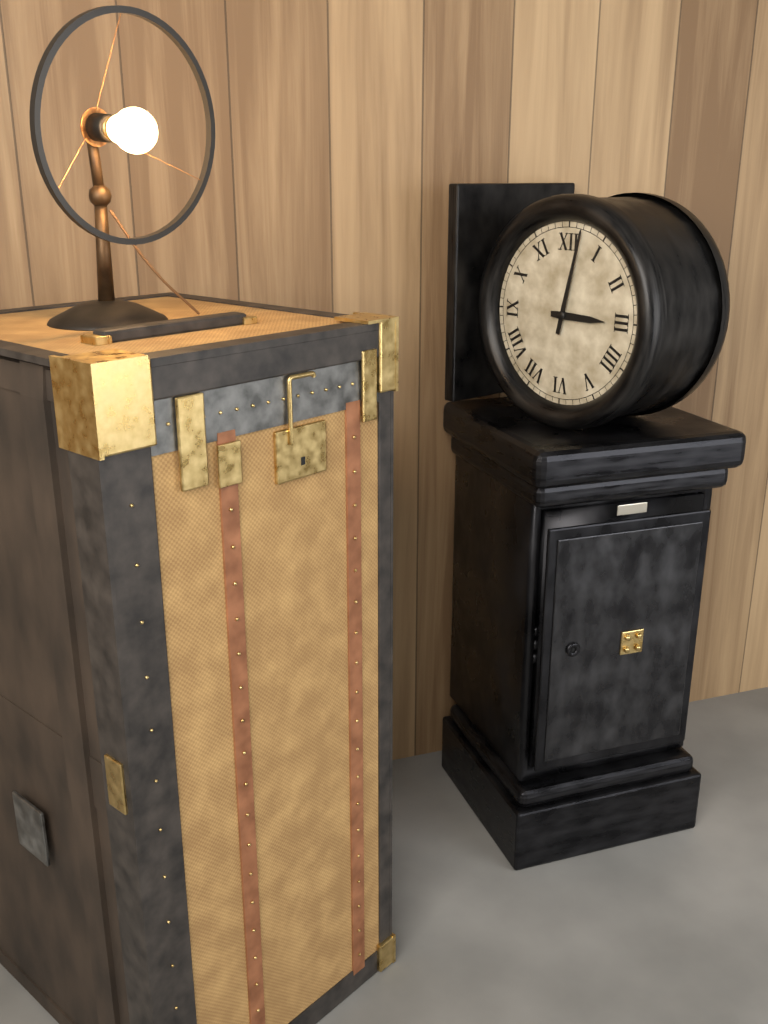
3,02
